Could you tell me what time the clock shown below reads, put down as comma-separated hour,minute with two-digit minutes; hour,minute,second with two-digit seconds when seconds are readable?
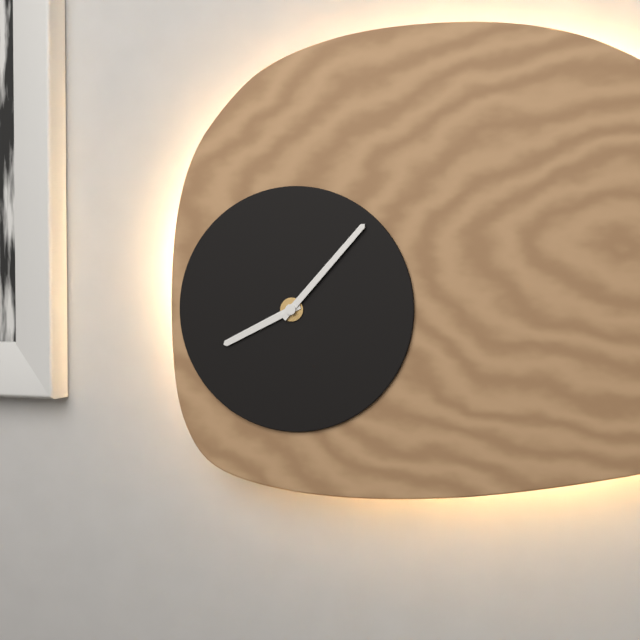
8,07
